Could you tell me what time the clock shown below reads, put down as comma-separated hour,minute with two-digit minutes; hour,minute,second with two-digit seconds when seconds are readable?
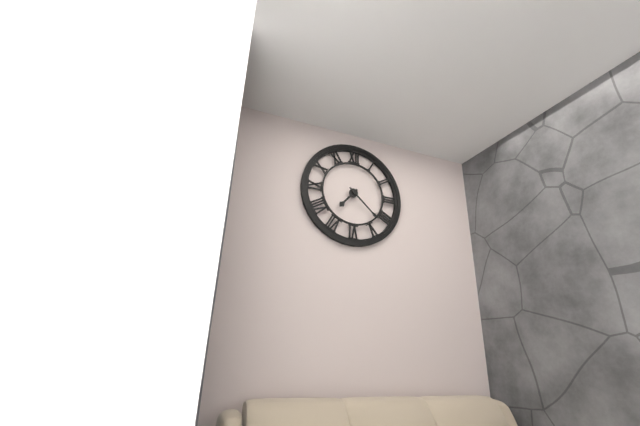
7,22
